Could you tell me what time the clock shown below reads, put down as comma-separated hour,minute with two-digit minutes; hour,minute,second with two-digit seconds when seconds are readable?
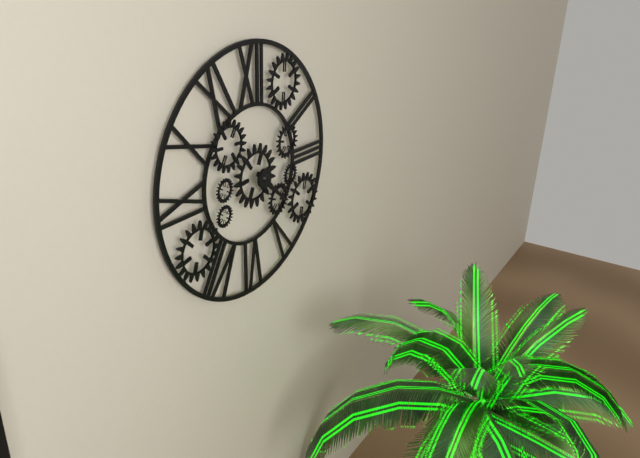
4,22
